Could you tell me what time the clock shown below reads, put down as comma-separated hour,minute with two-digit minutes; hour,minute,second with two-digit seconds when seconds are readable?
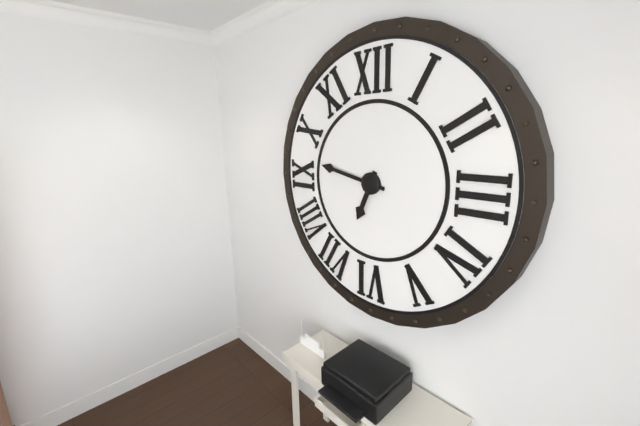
6,47
